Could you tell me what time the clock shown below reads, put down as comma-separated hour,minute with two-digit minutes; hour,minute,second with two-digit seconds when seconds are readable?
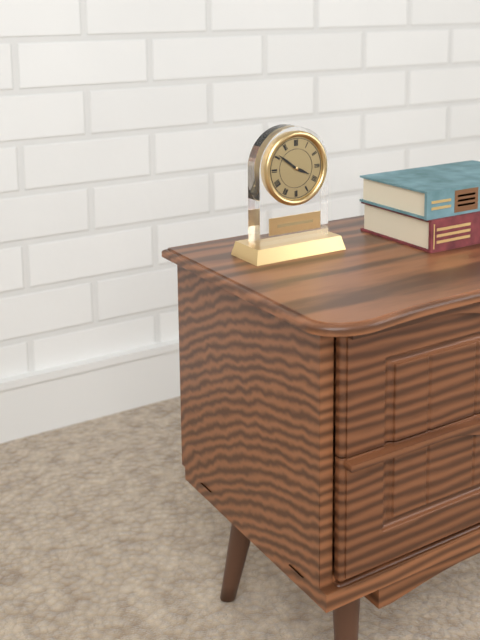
3,51
